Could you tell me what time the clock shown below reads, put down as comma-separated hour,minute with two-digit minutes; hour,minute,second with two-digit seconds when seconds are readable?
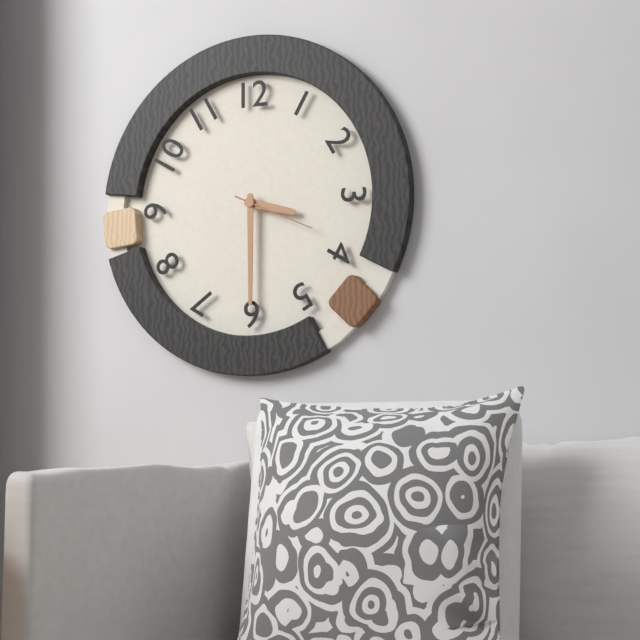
3,30,19
